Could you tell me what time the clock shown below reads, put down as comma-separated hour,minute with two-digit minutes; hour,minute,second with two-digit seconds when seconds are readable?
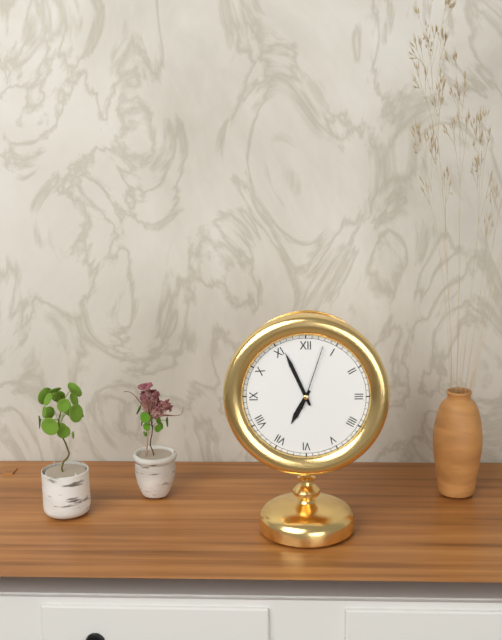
6,56,03
